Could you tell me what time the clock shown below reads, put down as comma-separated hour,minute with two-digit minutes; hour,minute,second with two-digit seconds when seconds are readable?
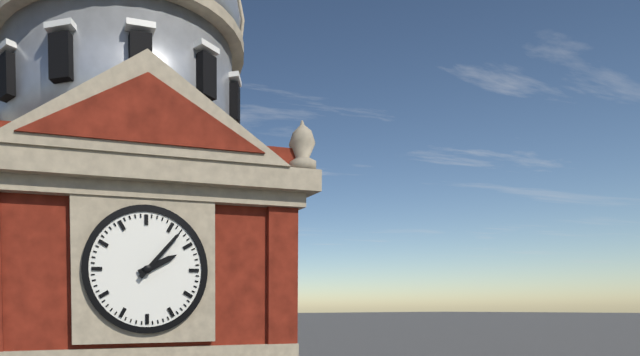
2,07
